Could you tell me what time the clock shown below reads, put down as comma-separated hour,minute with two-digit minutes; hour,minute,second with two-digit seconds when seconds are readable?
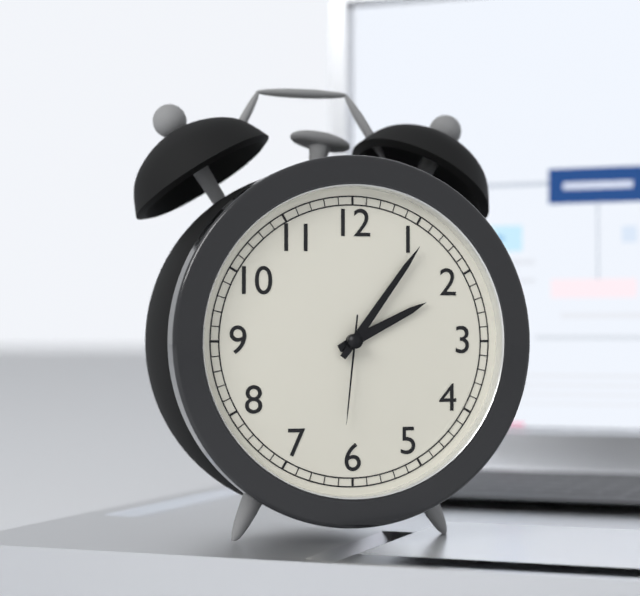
2,06,31
